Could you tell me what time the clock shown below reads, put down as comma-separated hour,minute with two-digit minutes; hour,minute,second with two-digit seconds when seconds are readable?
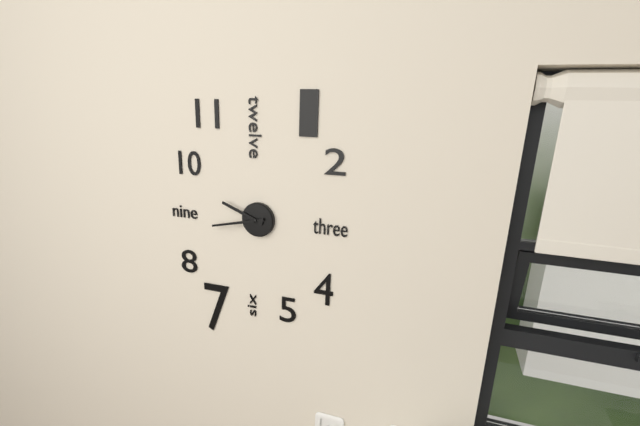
9,43
